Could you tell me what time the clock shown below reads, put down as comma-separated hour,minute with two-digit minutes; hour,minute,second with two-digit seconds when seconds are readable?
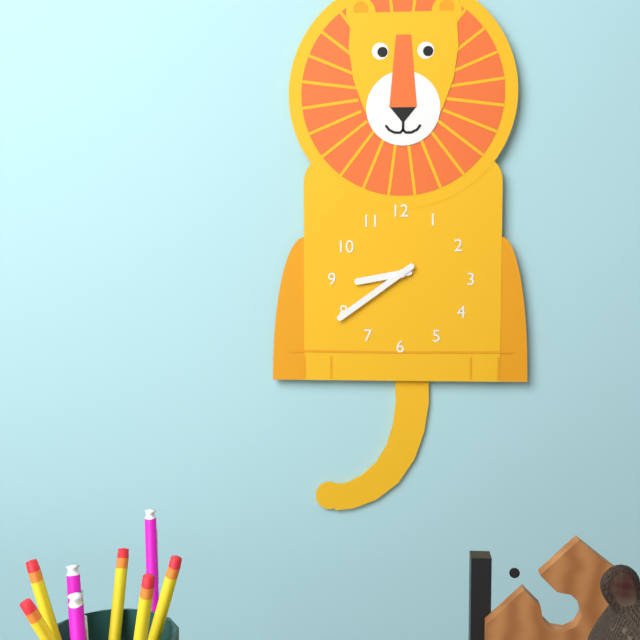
8,39
